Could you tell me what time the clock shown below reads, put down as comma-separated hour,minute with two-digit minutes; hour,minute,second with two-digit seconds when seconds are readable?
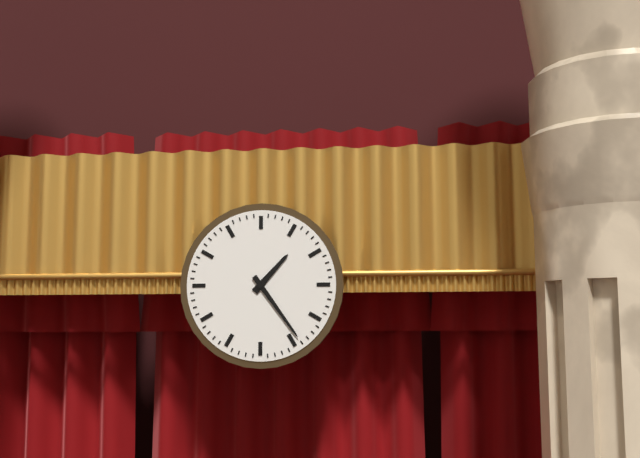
1,24
